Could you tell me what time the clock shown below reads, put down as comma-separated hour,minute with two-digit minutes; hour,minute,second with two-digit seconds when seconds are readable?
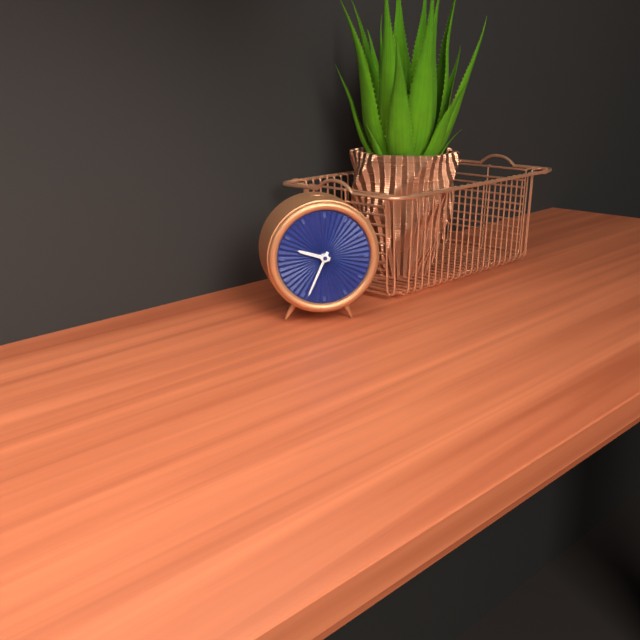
9,34
